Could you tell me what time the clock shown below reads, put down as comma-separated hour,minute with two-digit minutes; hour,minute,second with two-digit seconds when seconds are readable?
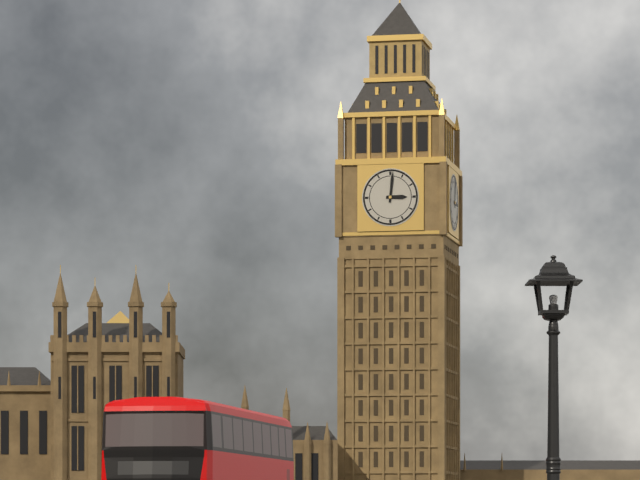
3,01
